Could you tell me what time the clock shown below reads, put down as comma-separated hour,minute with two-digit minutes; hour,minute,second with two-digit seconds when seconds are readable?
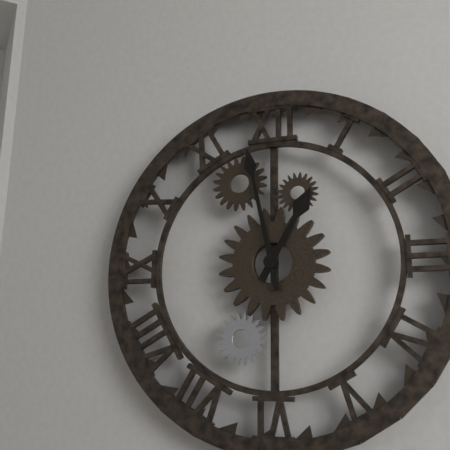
12,58
